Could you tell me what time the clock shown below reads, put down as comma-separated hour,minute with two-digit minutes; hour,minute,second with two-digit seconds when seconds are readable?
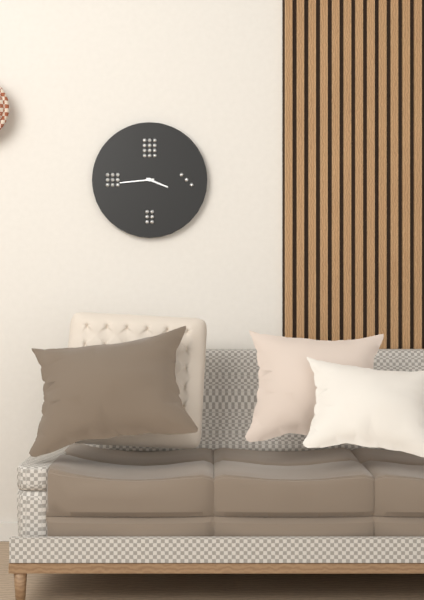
3,44
